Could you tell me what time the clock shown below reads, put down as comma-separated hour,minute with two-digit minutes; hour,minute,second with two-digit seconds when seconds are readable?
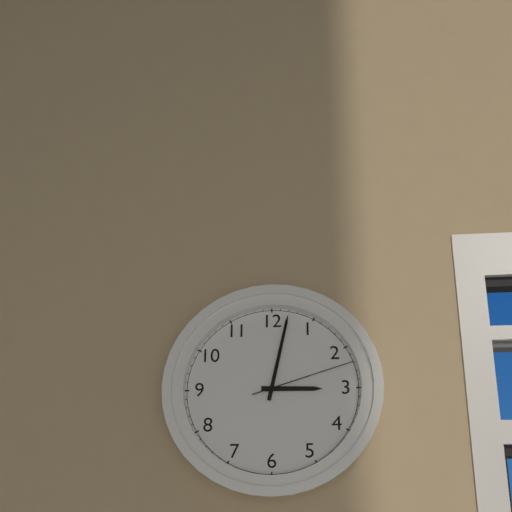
3,02,12
